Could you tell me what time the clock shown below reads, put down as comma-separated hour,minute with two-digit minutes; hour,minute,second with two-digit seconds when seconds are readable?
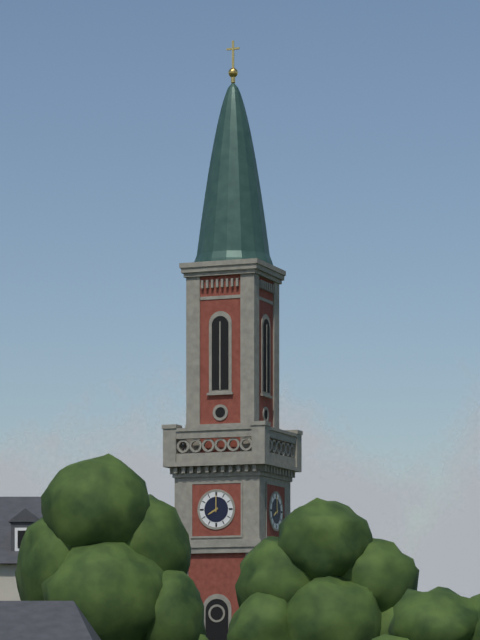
8,00
